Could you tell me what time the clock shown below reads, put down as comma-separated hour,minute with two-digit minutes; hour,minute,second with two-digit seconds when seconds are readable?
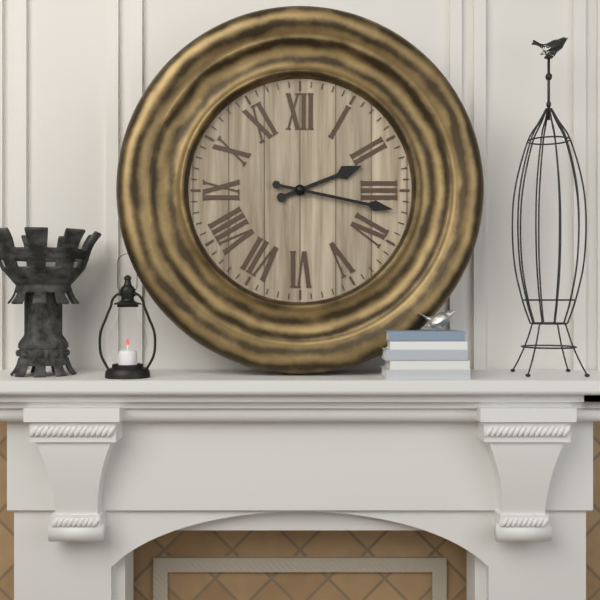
2,17
